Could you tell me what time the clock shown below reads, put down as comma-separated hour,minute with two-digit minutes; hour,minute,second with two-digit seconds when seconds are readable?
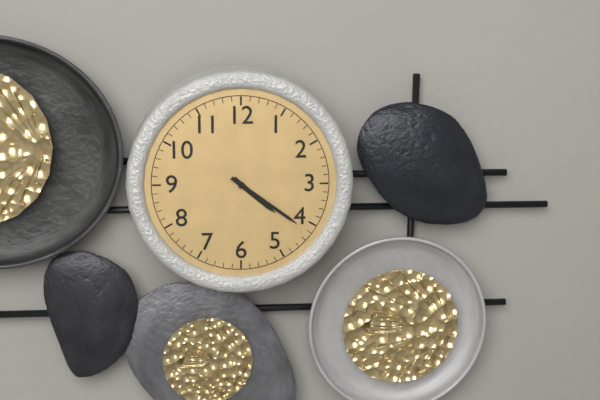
4,21
